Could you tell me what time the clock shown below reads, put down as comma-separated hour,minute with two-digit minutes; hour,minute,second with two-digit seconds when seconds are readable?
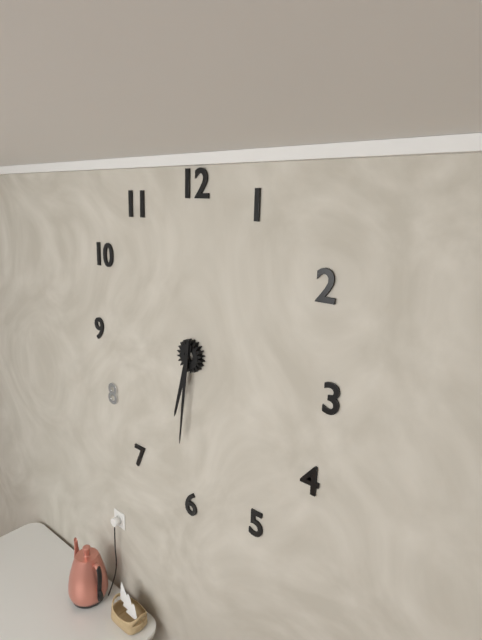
6,31
